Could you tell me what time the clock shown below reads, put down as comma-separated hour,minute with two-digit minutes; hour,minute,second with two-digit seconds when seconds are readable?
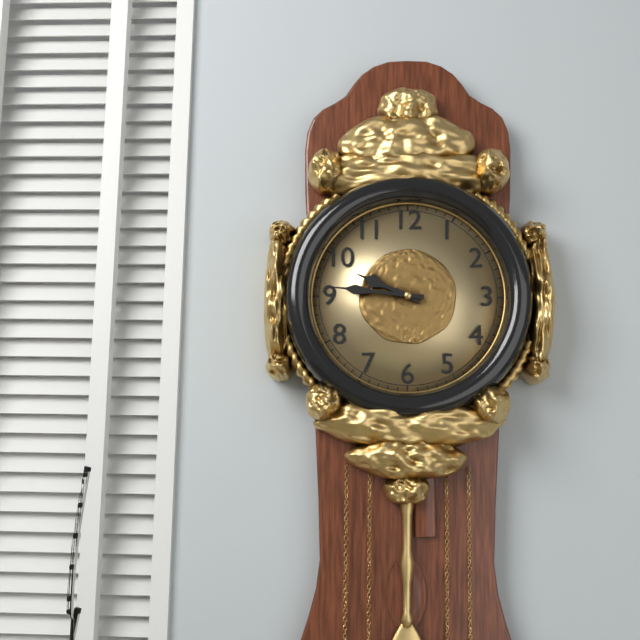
9,46
